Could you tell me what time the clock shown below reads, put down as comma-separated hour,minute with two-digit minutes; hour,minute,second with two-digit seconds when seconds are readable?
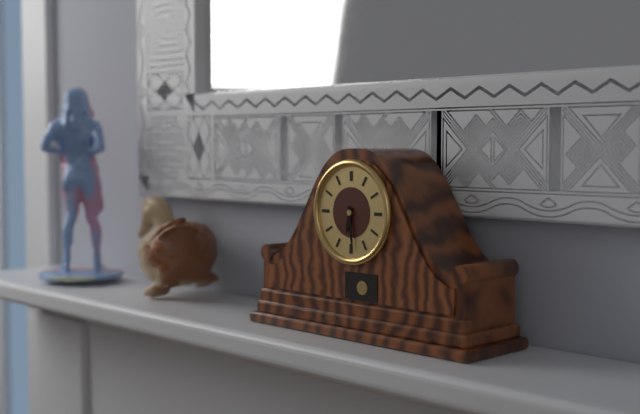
6,29
